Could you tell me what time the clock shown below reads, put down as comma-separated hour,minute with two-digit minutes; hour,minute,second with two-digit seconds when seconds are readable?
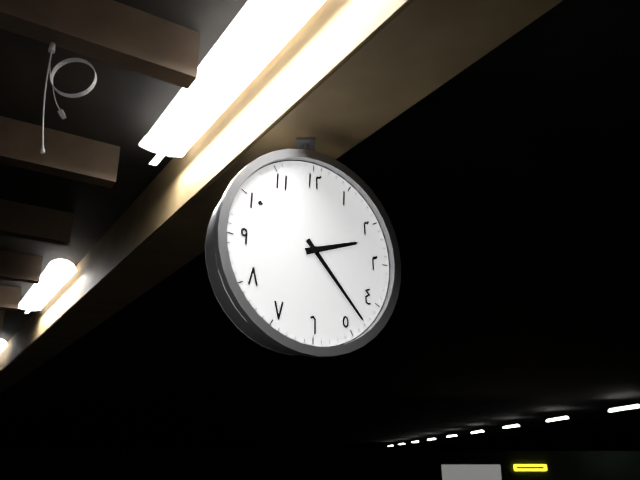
2,23
